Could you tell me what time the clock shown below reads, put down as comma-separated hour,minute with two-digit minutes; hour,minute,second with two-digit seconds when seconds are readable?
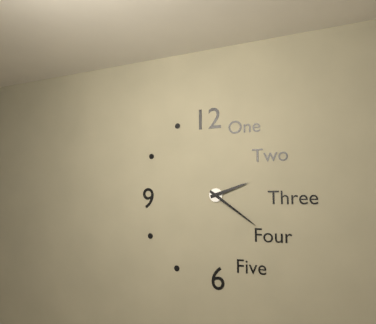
2,21
